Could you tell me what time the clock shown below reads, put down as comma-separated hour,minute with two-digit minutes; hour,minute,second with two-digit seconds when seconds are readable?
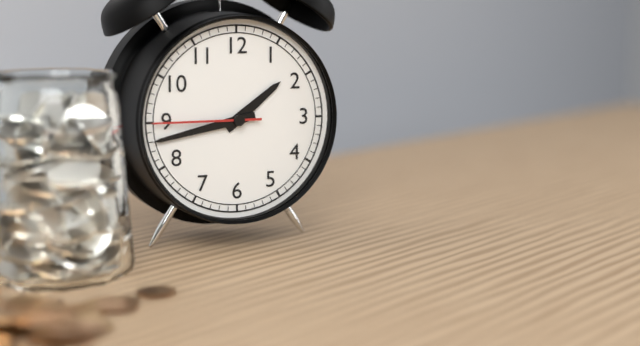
1,43,45
